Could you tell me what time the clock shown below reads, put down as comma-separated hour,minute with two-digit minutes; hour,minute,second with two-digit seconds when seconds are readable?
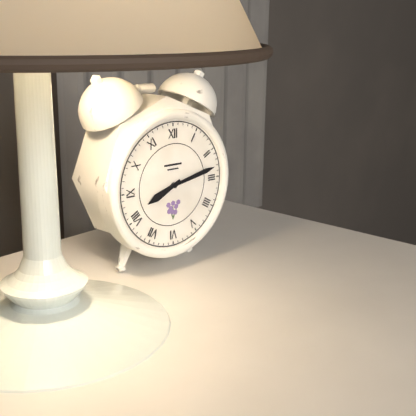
8,13
